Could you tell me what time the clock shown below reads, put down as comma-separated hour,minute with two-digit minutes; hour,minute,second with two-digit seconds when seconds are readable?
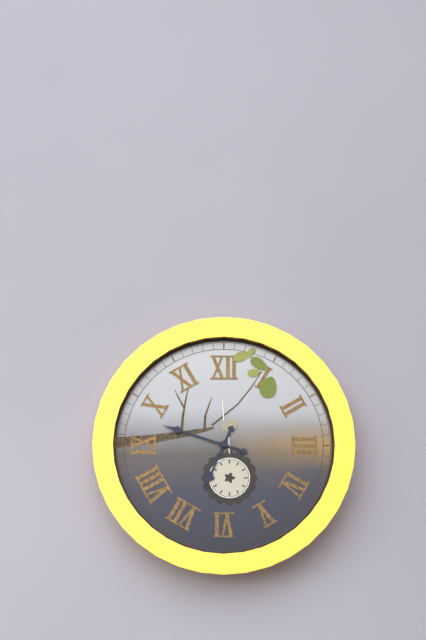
6,48
